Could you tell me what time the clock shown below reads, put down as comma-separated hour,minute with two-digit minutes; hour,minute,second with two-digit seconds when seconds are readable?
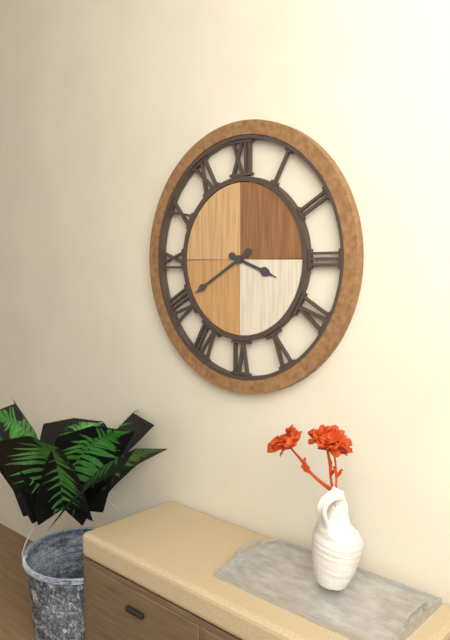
3,40
